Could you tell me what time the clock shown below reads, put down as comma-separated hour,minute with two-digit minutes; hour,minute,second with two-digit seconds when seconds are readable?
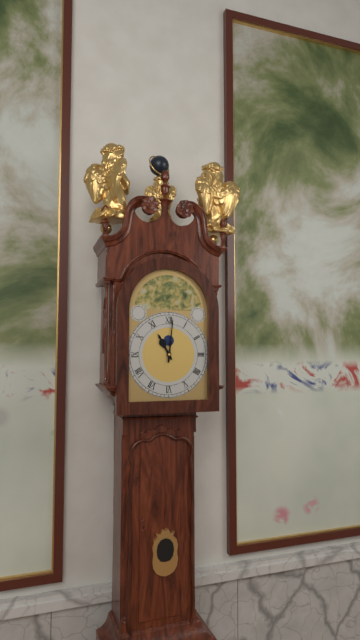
11,01
